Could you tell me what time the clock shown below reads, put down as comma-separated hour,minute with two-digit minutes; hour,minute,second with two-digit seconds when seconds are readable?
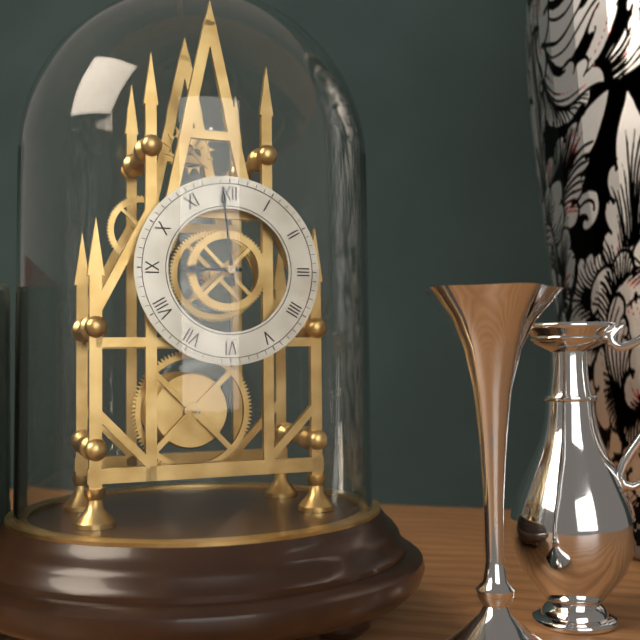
8,59
